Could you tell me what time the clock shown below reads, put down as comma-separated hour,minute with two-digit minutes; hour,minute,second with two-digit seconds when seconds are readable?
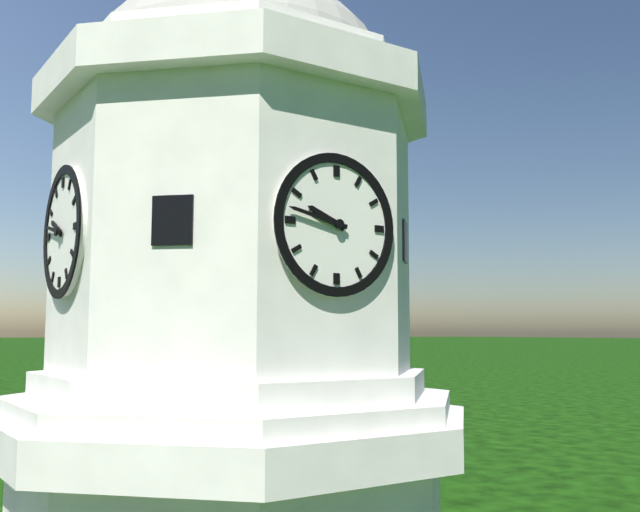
9,47
